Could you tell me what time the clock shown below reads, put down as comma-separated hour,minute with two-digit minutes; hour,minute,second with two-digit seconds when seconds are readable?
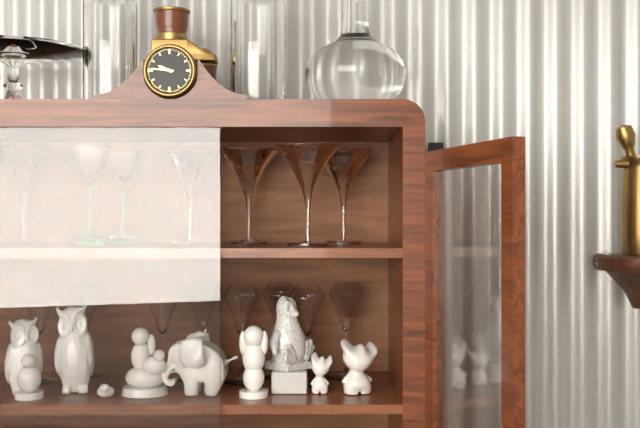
9,46
